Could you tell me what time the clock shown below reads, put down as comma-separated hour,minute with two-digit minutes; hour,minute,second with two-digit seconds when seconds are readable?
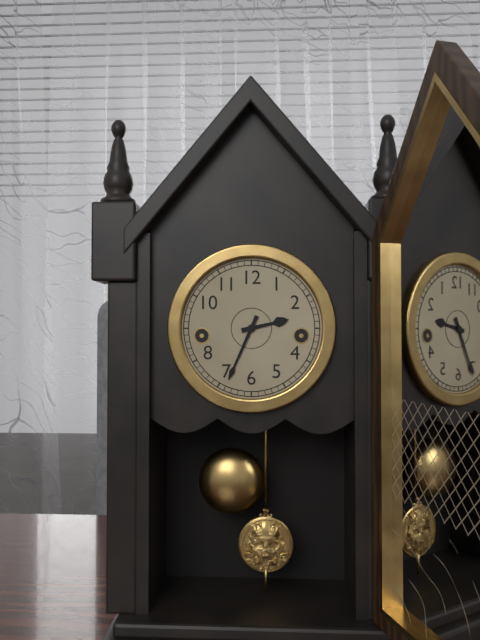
2,34
